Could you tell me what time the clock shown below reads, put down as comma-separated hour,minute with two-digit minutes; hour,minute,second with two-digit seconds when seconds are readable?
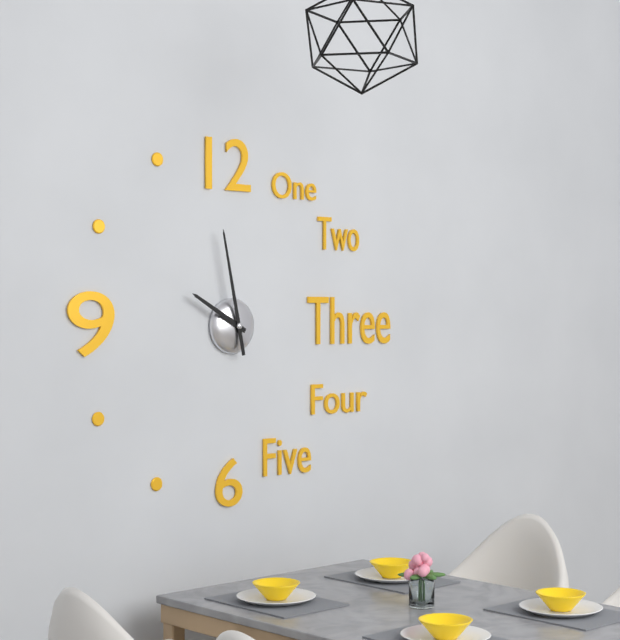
9,58
